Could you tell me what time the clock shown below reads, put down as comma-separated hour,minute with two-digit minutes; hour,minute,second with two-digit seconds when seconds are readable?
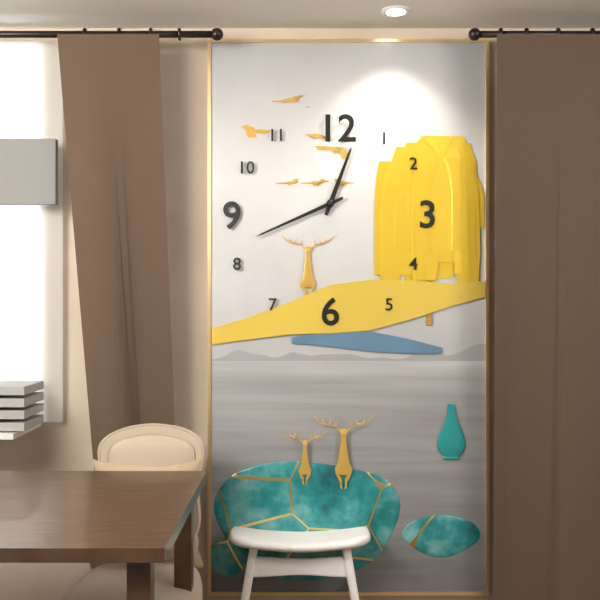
12,41
